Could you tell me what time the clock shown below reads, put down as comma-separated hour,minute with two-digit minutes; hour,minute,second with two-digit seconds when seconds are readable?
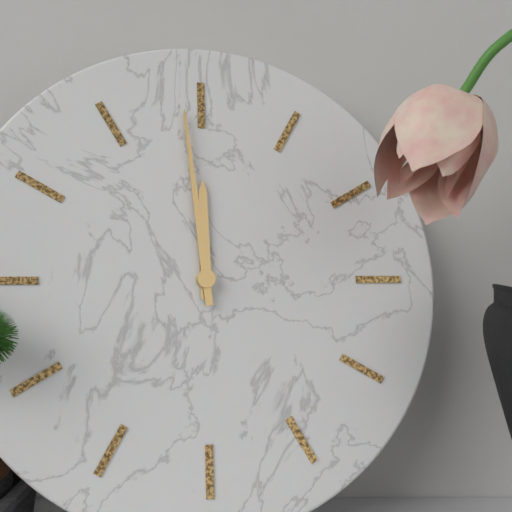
11,59
